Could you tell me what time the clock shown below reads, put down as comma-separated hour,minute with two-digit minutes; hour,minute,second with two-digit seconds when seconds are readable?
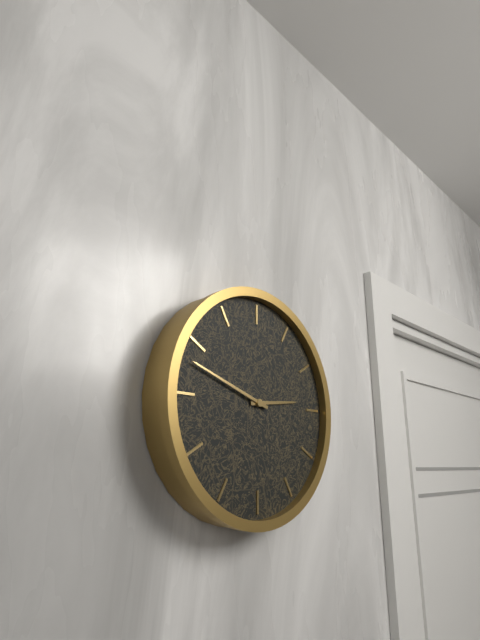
2,48
